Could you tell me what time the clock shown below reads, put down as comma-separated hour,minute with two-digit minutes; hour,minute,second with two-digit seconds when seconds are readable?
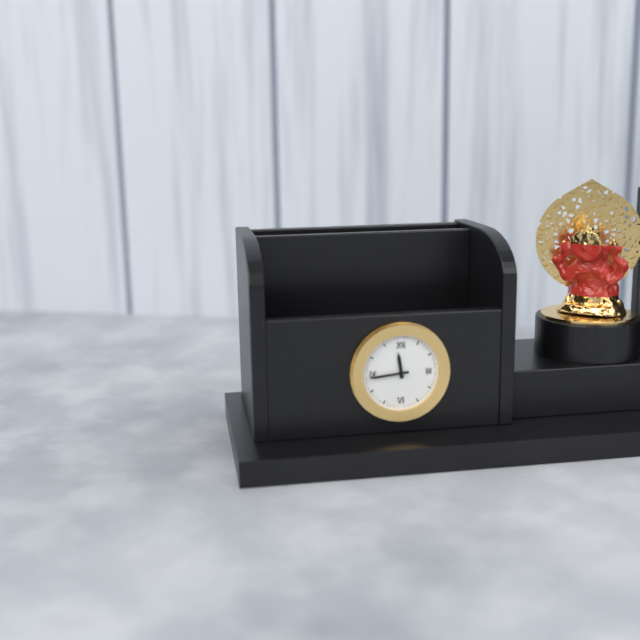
11,44
